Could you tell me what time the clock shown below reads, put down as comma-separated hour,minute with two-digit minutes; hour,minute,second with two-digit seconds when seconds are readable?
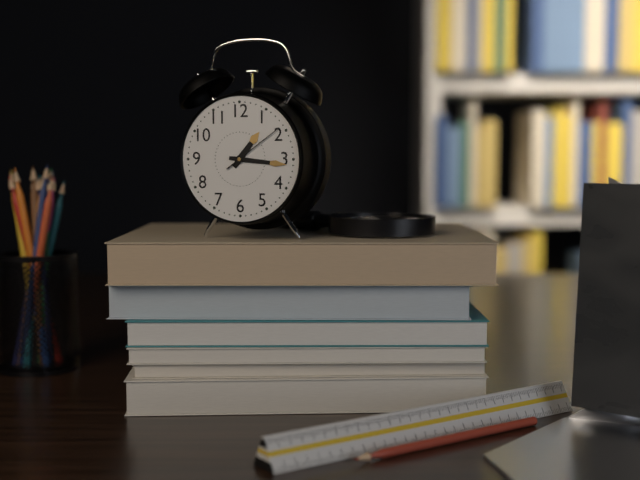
1,16,09
